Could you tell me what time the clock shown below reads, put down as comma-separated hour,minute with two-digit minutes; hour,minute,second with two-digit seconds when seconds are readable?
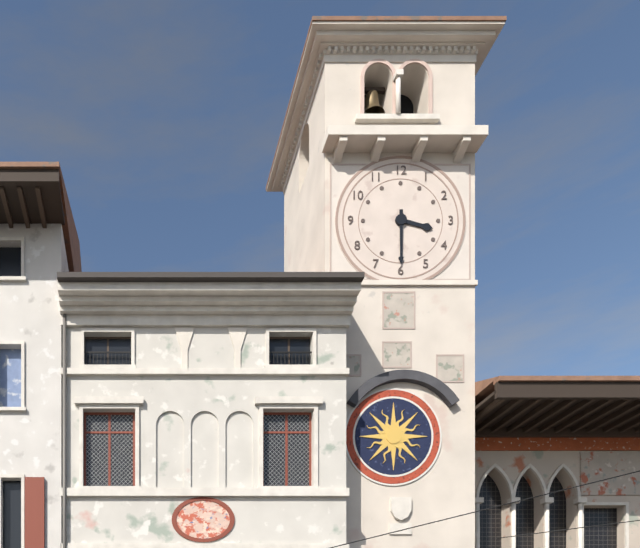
3,30
